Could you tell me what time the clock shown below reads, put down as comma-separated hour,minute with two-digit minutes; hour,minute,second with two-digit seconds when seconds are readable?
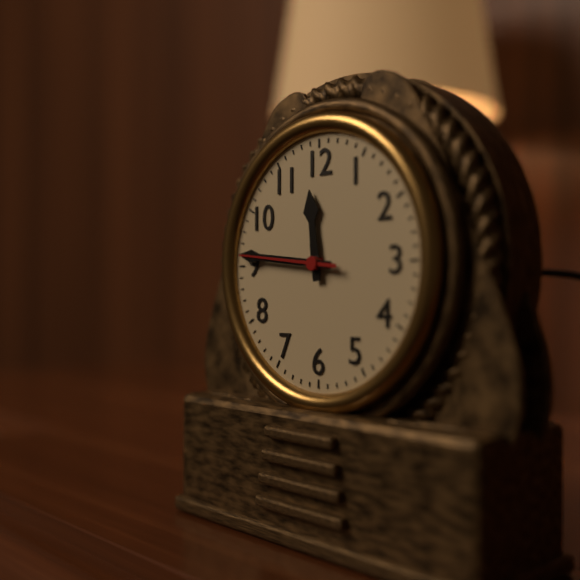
11,46,46
